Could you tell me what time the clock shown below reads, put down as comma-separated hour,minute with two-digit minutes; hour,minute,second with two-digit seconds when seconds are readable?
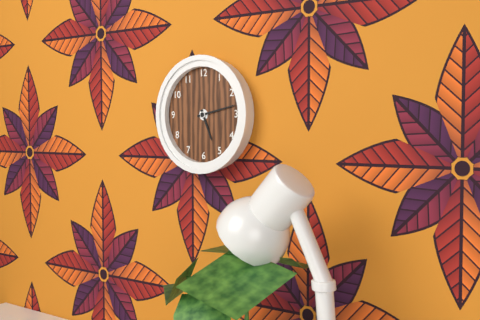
5,13
